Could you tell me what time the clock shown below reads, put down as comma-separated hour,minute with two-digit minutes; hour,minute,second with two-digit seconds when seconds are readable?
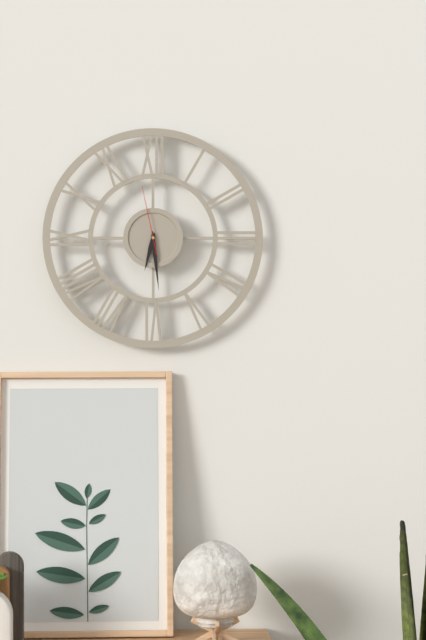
6,29,58
